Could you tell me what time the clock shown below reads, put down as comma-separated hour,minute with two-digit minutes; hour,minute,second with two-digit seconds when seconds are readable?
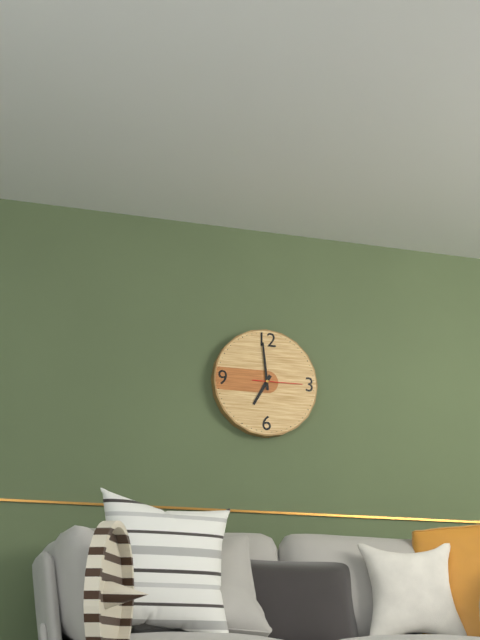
6,59
